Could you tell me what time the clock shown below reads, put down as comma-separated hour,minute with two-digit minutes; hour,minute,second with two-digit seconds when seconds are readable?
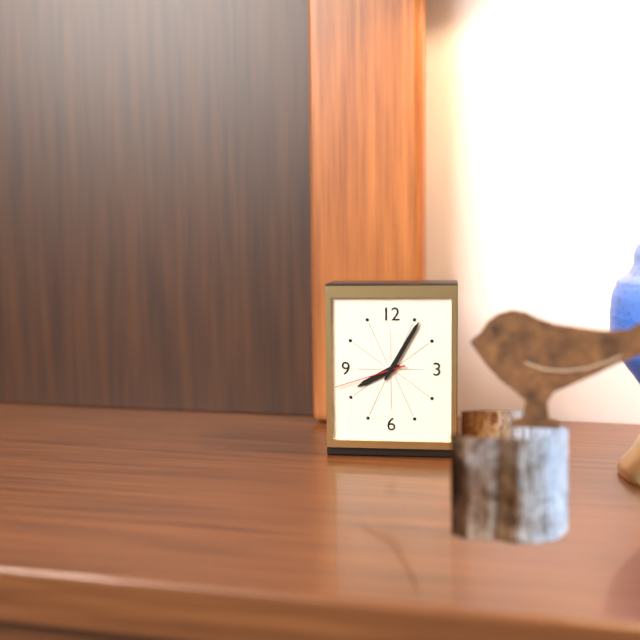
8,05,42
